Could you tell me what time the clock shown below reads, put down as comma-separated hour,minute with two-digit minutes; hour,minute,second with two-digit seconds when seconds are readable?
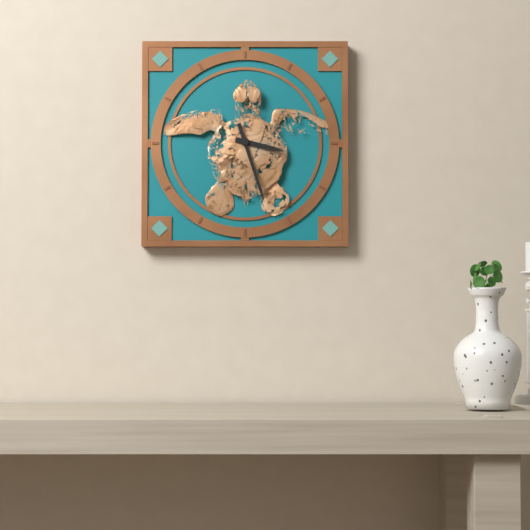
3,27
